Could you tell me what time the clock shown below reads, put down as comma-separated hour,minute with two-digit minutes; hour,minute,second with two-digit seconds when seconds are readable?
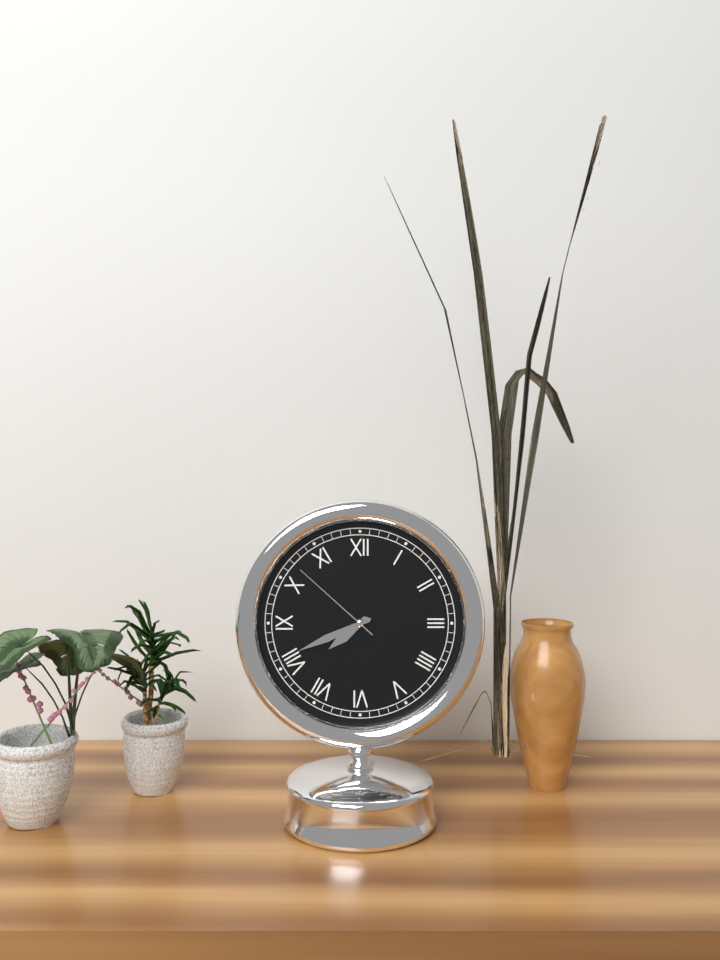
7,41,52
